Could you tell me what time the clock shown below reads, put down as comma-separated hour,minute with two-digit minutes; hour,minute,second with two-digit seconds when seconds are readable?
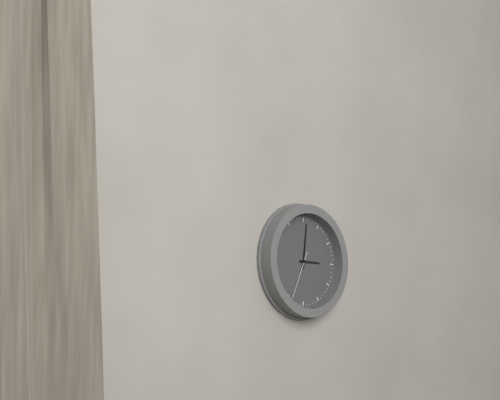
3,01
